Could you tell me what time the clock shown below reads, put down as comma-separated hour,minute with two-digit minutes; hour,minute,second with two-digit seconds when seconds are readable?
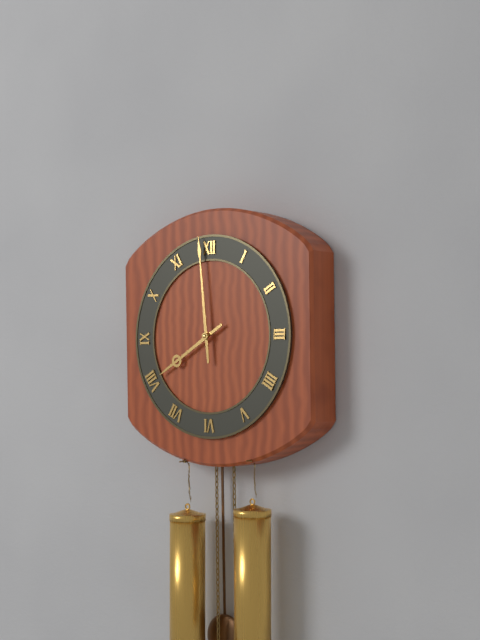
7,59
